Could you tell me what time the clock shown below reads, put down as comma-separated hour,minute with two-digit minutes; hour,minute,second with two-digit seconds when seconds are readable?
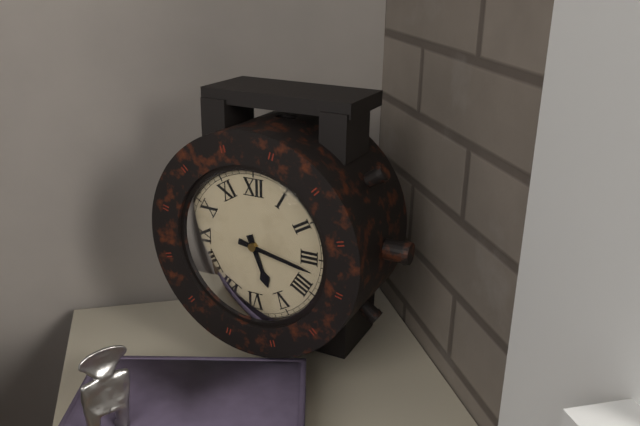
5,17
